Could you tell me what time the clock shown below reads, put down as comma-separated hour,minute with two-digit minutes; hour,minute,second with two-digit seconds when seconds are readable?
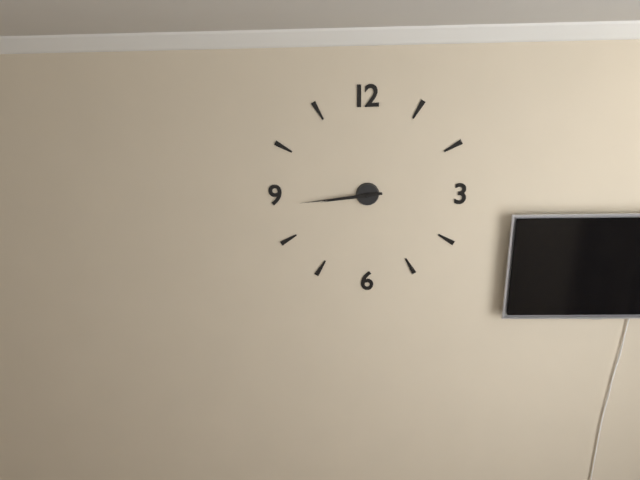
8,44
